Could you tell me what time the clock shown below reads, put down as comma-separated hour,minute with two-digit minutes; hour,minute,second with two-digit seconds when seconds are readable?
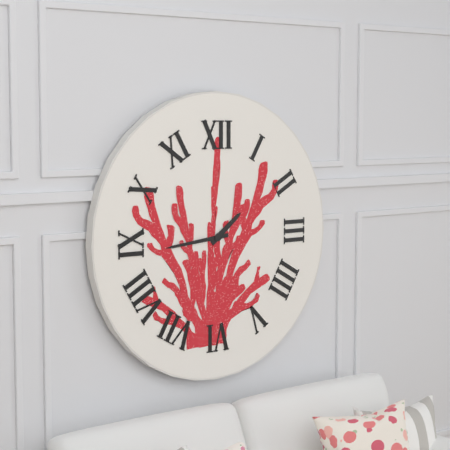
1,44
